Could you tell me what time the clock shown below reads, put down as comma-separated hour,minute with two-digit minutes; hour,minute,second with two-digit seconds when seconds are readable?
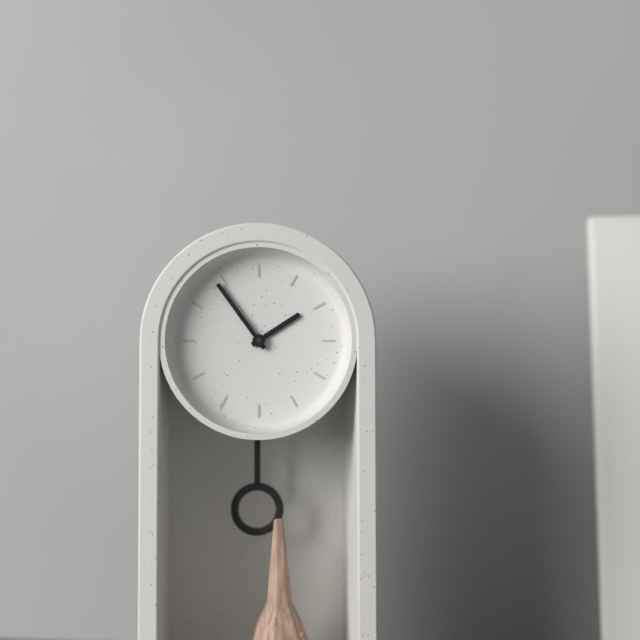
1,54
